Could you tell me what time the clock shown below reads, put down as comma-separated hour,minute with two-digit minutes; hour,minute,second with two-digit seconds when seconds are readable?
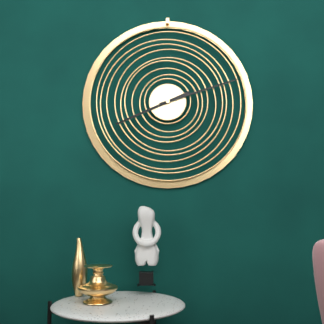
8,12
